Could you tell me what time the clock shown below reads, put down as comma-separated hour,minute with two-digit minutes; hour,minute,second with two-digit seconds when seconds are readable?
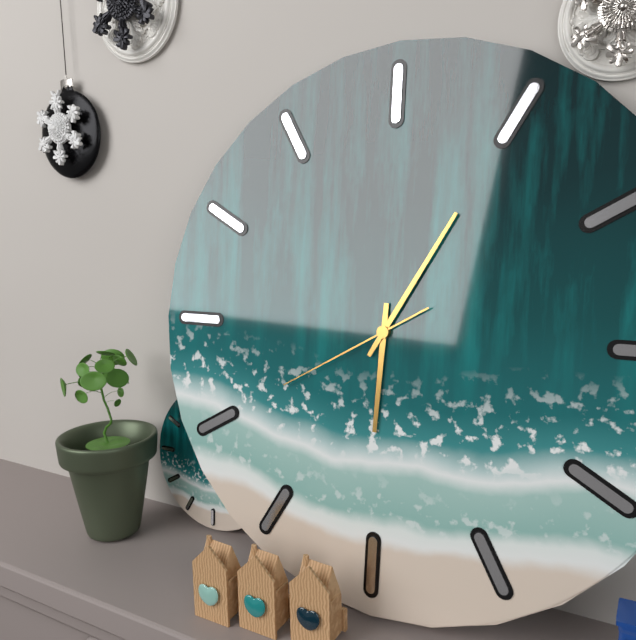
6,05,40
